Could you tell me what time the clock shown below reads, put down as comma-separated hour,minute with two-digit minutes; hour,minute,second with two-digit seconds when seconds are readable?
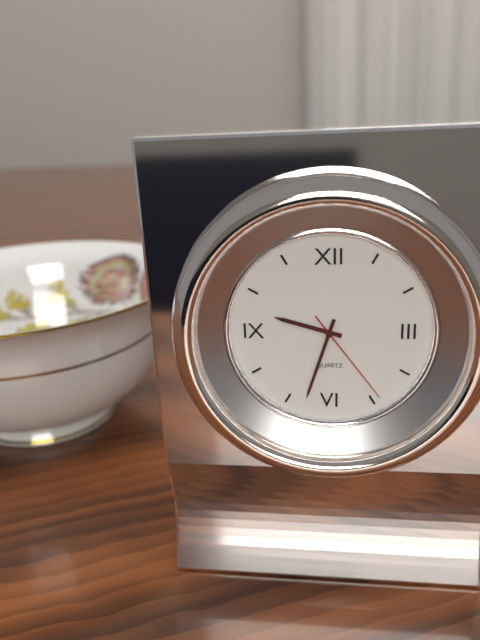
9,33,24
